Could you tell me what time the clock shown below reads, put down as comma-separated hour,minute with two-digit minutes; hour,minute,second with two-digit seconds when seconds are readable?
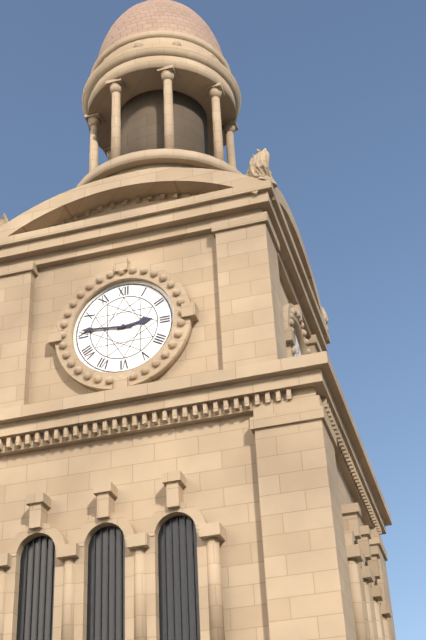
2,46
